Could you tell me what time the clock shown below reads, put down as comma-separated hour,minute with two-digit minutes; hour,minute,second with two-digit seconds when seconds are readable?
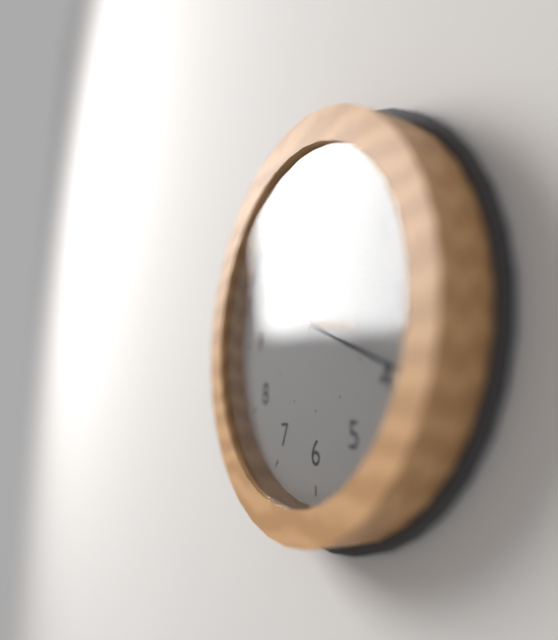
3,19
